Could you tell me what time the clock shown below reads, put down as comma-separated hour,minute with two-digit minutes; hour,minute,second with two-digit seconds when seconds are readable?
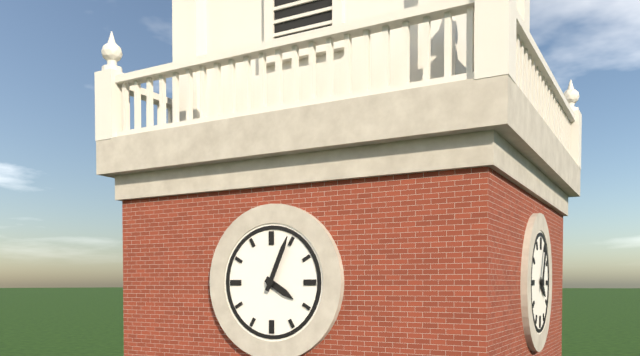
4,04
